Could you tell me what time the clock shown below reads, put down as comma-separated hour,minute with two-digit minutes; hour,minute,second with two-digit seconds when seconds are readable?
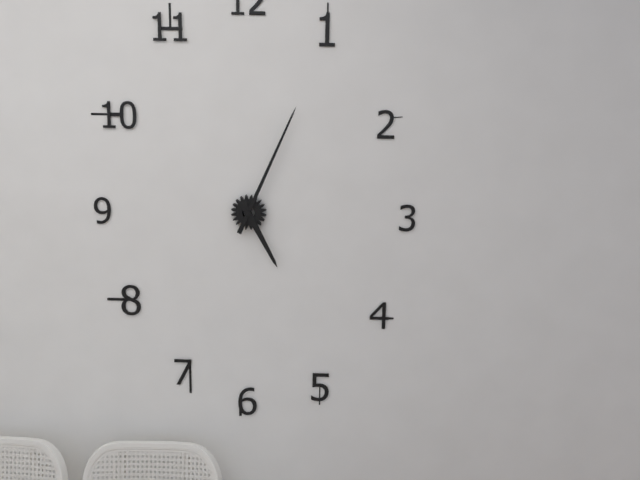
5,04
